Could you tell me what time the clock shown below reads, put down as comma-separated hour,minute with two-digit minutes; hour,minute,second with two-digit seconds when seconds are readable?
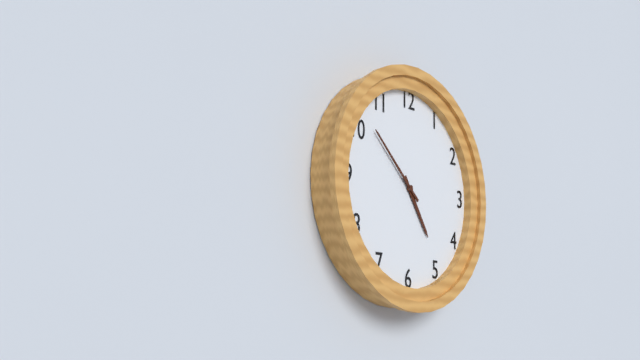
4,52
